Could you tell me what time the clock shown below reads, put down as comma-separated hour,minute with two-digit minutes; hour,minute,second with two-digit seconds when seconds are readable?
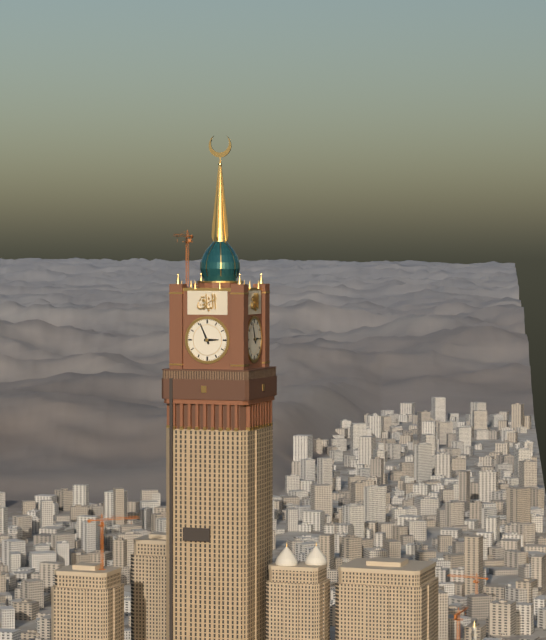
2,56
